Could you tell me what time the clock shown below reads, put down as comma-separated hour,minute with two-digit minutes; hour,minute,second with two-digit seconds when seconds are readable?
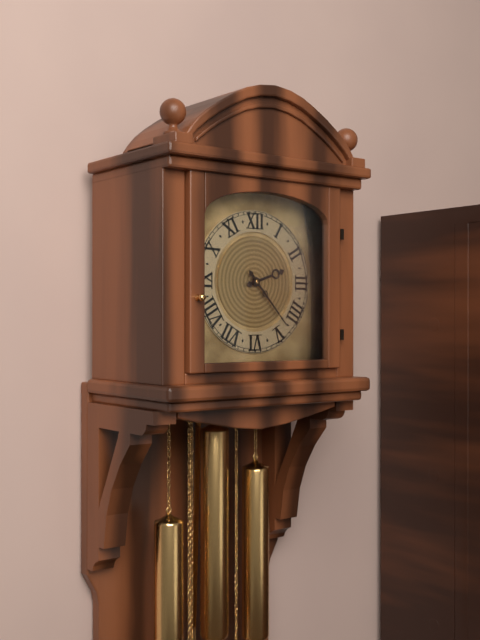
2,23
